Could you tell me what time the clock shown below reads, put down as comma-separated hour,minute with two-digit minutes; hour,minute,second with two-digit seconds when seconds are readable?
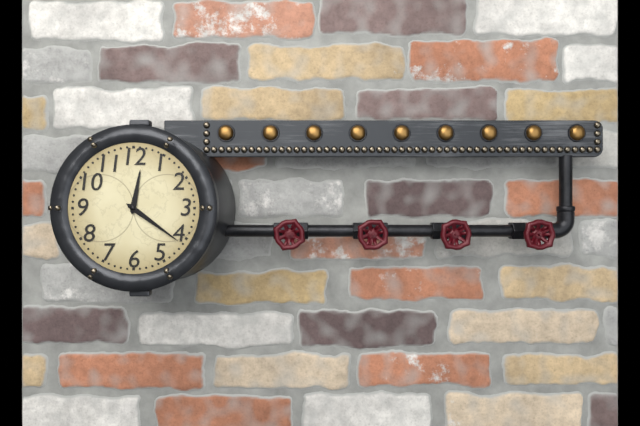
12,21
